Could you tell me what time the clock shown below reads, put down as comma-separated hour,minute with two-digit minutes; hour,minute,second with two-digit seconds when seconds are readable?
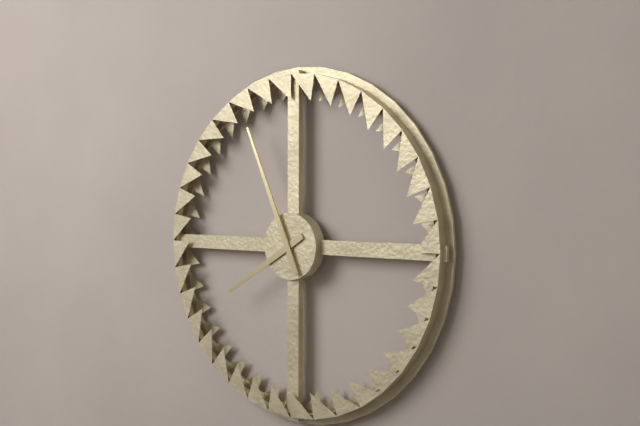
7,56
